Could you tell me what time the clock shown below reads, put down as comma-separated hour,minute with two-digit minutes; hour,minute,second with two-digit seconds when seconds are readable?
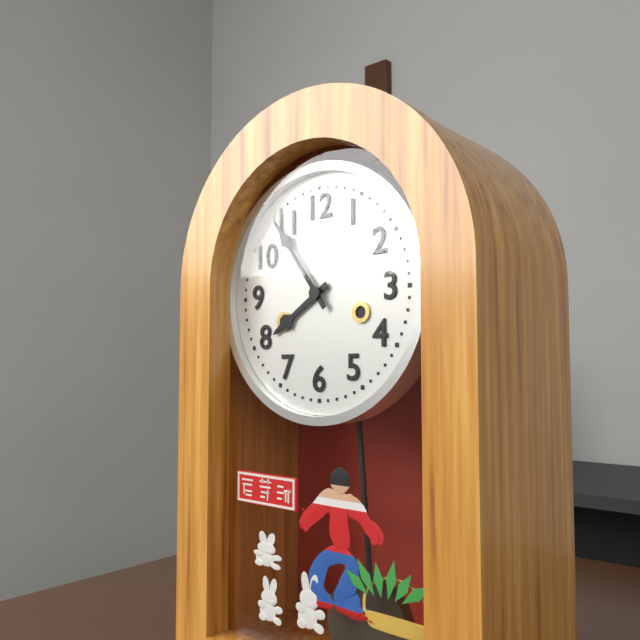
7,54
